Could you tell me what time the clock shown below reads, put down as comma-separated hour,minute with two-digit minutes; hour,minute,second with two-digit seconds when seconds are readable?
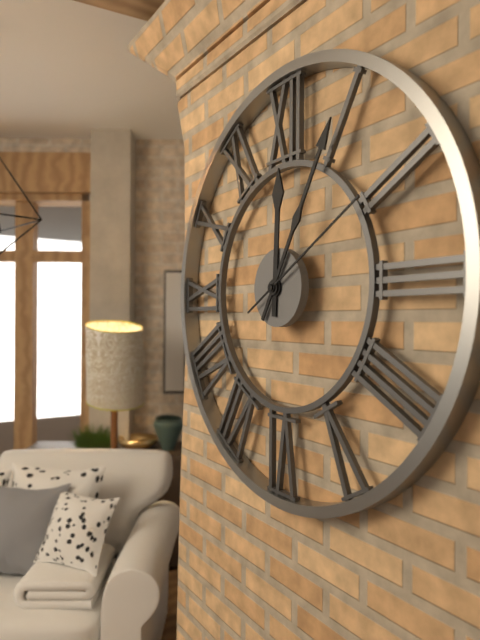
12,05,10
